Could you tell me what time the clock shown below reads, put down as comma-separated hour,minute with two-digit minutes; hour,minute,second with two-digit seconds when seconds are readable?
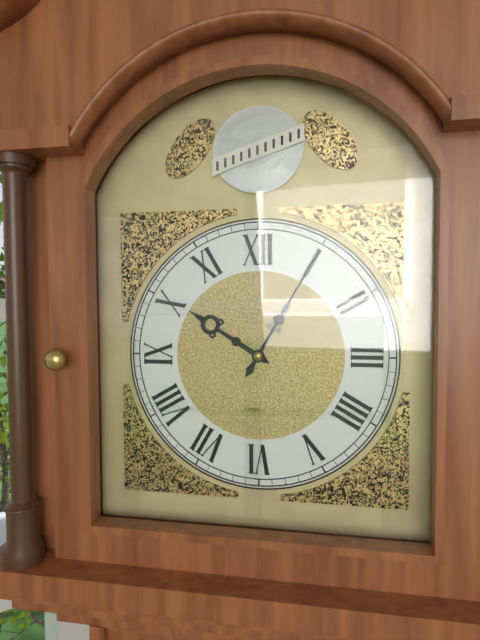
10,05
